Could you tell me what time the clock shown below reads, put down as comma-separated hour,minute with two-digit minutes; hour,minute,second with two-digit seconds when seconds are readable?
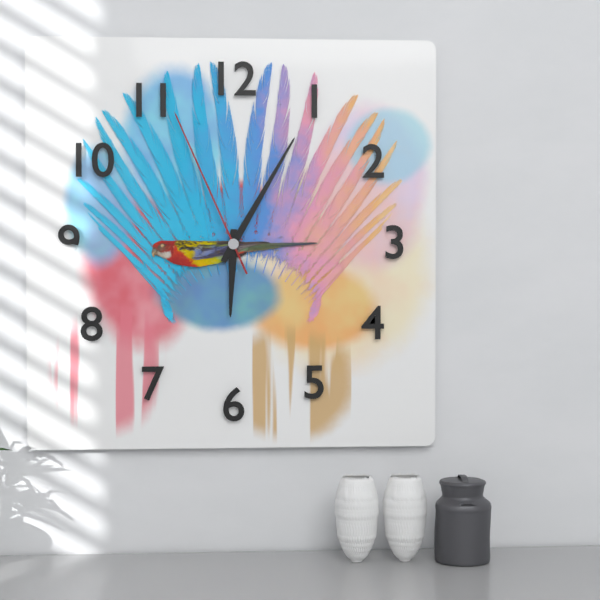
6,05,56
